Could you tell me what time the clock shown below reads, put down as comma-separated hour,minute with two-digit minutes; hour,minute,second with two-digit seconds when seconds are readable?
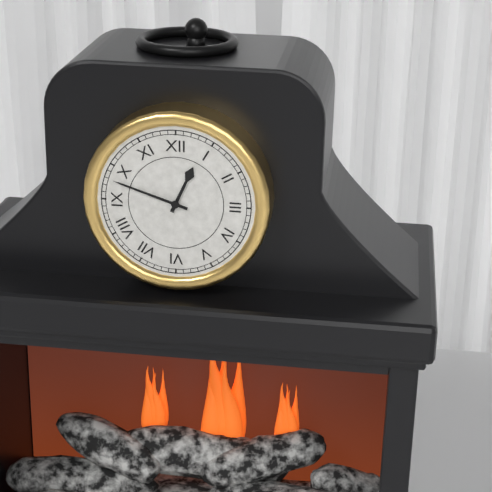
12,48
